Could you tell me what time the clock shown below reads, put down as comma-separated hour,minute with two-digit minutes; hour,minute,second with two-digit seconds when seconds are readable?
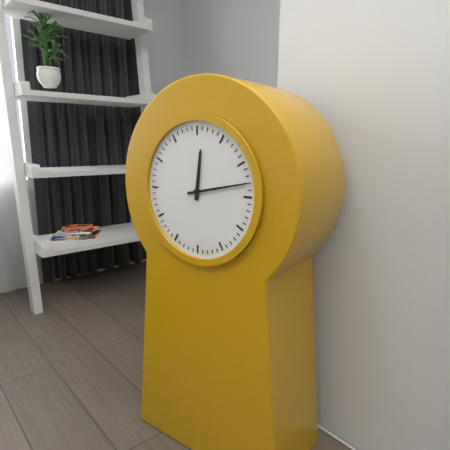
12,13
